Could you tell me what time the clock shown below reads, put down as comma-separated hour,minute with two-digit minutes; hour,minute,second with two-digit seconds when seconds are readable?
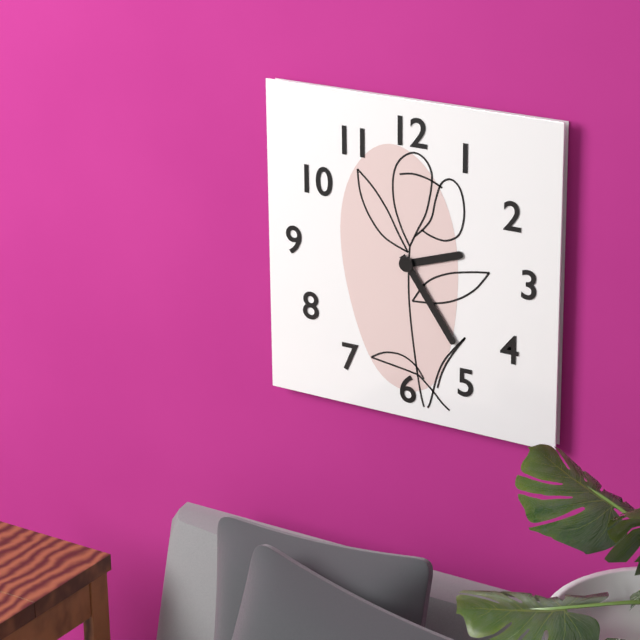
2,24
